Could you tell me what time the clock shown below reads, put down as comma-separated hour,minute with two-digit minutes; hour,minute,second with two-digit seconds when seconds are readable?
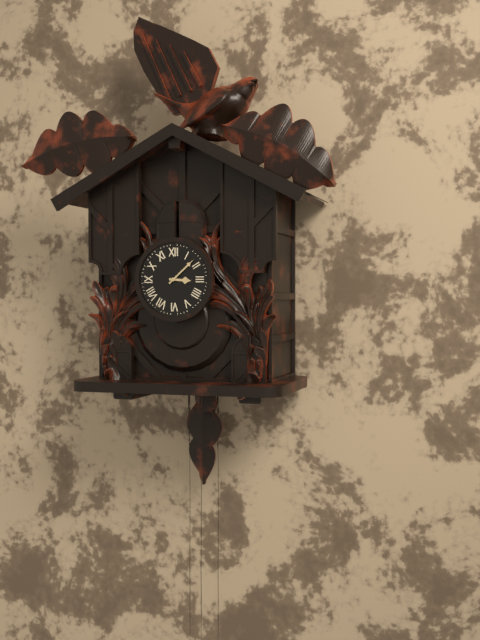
3,08
